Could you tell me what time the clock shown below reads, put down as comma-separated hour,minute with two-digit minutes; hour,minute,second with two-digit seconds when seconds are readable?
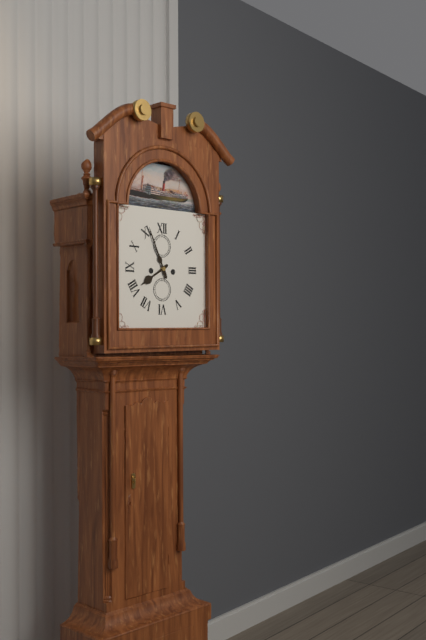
7,56
